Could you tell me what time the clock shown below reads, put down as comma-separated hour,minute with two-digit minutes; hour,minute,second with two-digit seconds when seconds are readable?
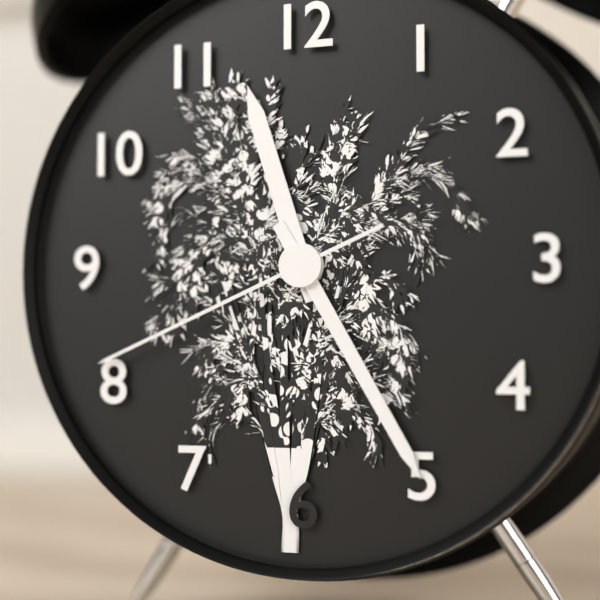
11,25,41
